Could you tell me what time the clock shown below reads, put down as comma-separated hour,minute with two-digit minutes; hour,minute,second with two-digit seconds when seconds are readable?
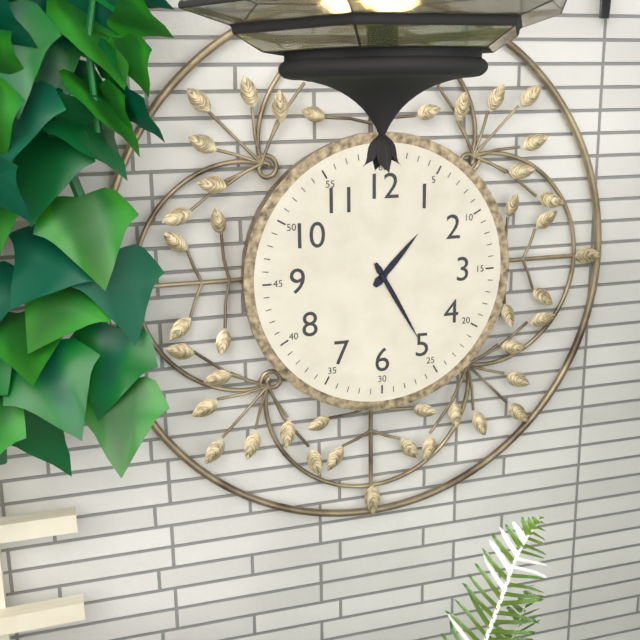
1,25
